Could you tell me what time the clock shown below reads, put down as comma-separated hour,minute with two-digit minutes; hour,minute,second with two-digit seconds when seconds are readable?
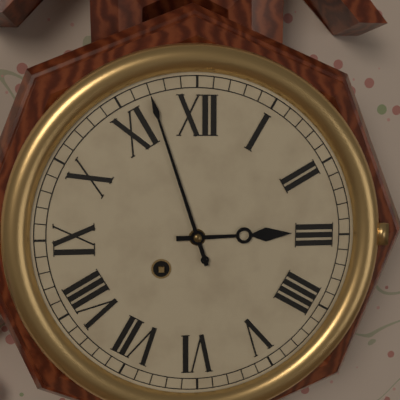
2,57
